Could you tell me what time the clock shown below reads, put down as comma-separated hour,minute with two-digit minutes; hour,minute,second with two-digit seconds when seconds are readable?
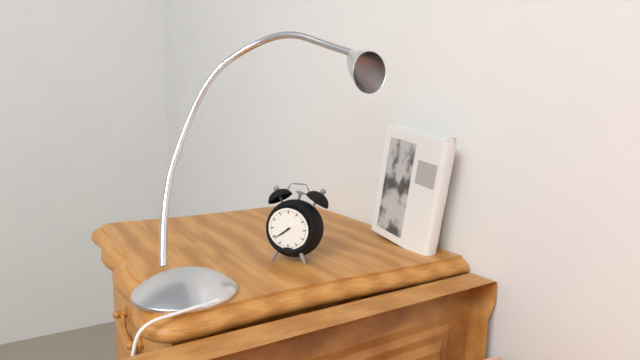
7,39
